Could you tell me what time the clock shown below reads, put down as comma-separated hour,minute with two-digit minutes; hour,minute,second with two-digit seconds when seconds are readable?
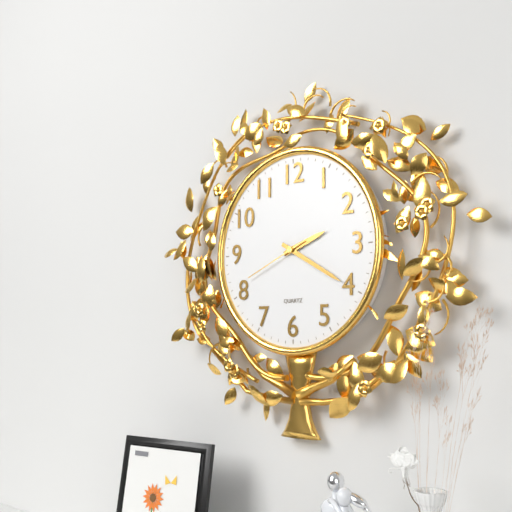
2,20,41
